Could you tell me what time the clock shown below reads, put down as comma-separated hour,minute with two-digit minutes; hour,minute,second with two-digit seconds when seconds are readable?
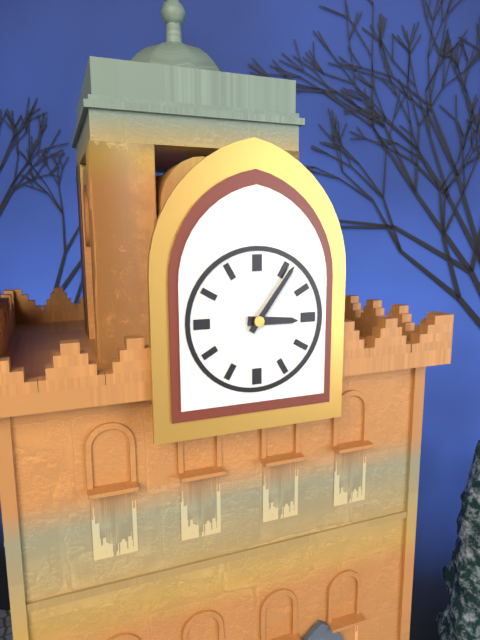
3,06
